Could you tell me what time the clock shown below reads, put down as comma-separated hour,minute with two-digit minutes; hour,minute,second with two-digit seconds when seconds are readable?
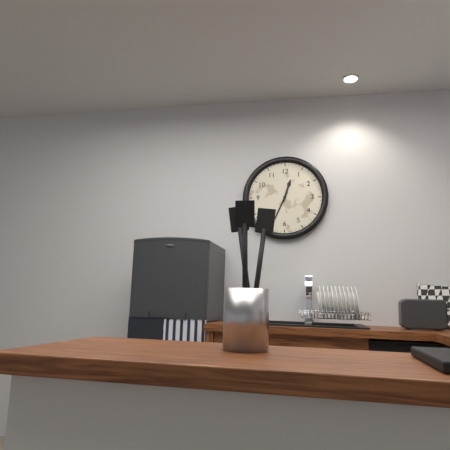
12,34
